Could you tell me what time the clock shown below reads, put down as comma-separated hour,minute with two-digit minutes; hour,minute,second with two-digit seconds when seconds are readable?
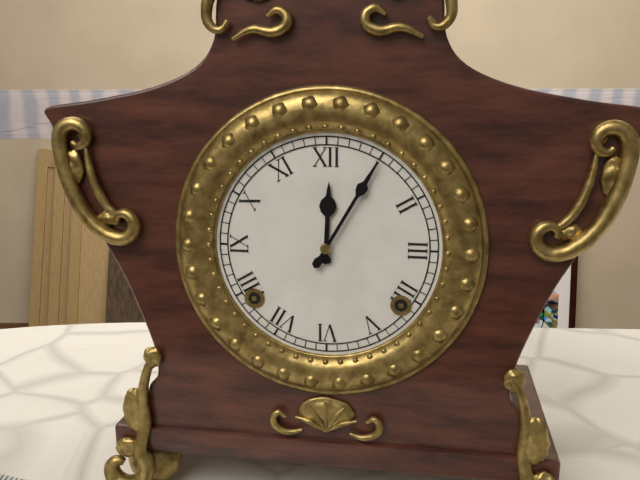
12,05
